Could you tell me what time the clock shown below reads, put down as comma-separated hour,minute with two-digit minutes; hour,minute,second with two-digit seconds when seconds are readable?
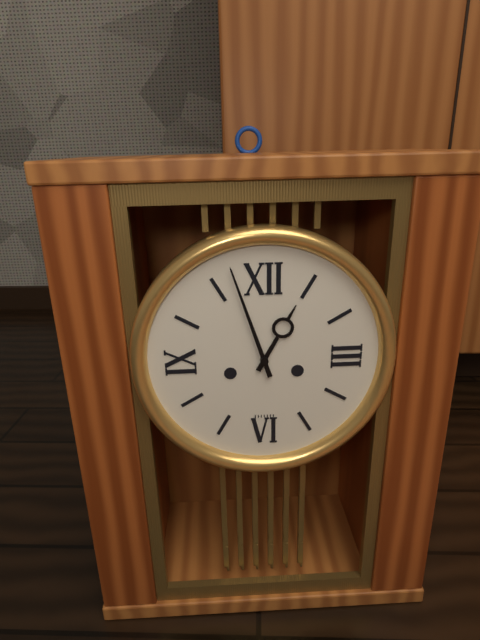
12,57
